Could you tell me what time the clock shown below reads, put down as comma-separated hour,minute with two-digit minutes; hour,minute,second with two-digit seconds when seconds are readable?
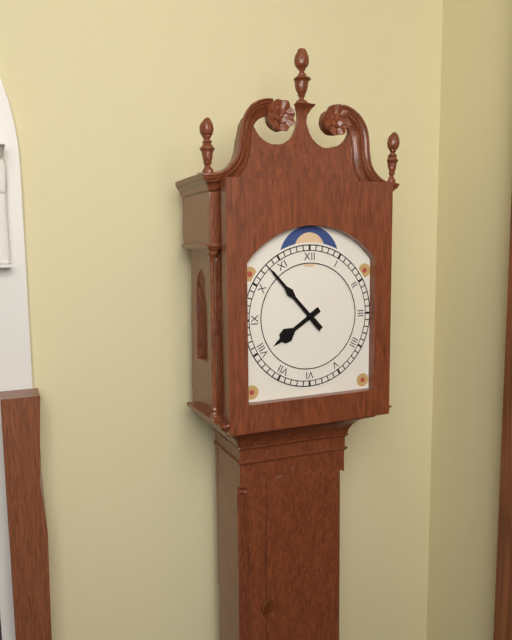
7,53
